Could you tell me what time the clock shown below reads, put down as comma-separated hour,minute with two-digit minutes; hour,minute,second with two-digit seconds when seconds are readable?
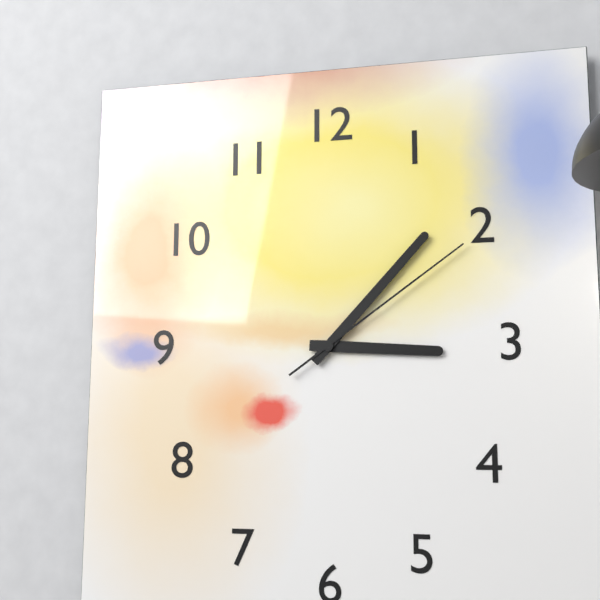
3,07,09
